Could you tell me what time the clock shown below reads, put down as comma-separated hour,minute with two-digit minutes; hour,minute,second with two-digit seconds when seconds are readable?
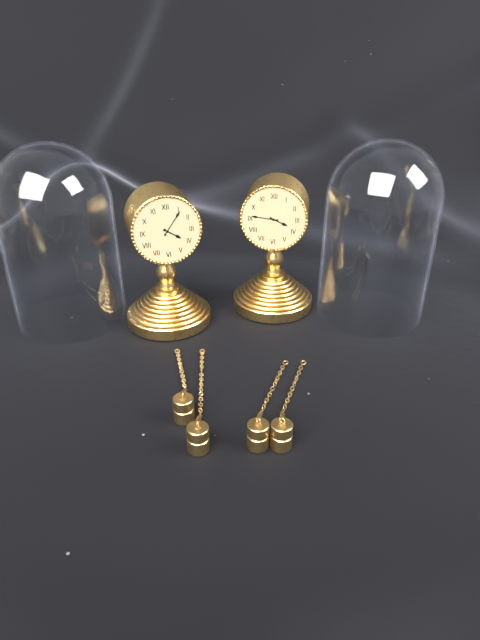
4,06
